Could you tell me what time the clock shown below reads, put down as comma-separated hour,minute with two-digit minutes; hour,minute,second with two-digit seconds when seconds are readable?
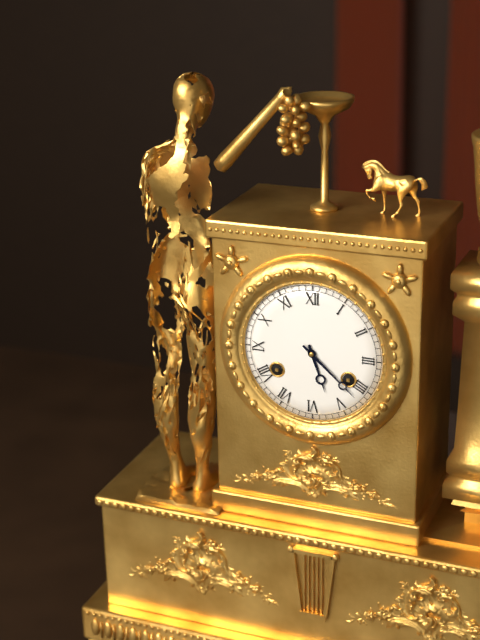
5,22
